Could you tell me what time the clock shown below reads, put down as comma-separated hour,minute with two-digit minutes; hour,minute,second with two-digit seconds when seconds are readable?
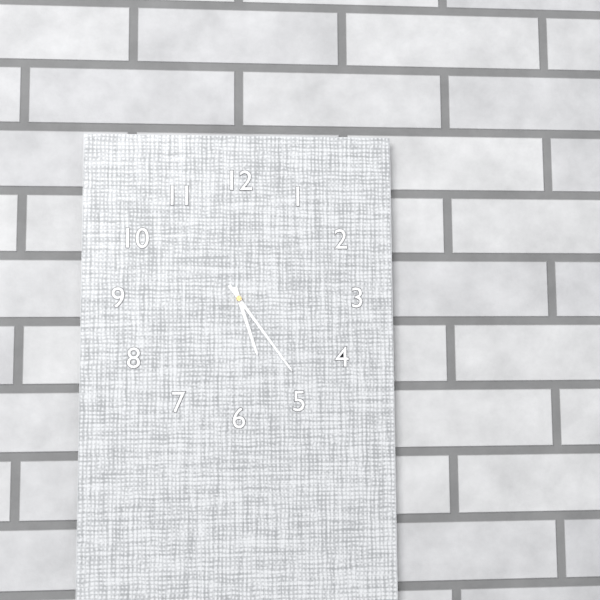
5,24
